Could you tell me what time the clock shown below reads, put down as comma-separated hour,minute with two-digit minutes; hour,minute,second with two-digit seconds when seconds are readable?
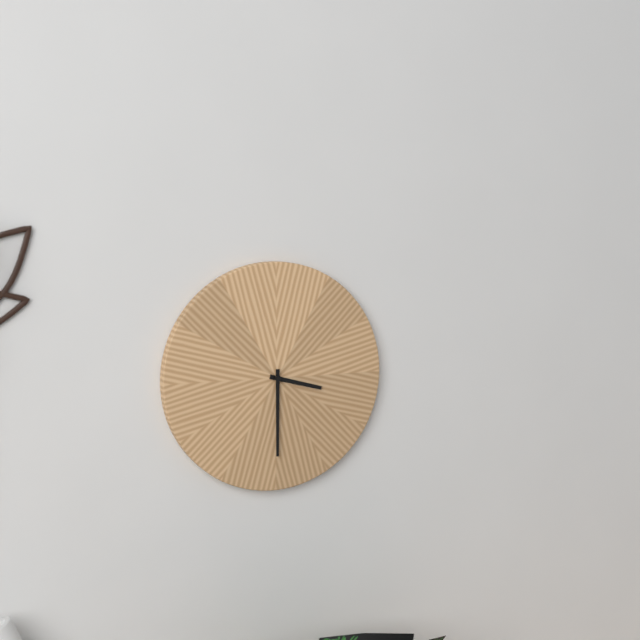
3,30
